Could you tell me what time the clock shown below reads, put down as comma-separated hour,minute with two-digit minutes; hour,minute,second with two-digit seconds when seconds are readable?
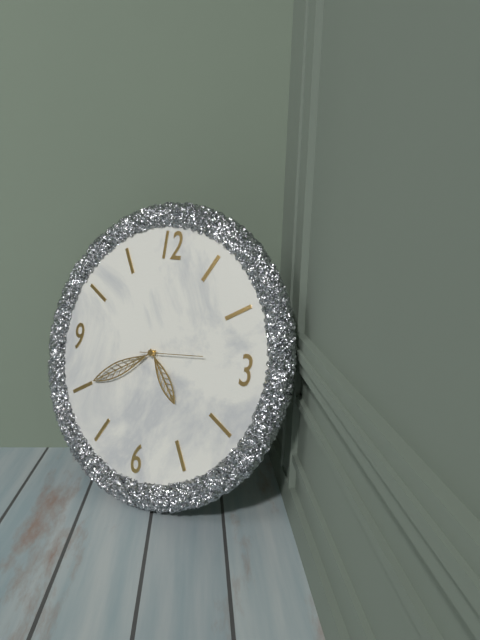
4,40,14
